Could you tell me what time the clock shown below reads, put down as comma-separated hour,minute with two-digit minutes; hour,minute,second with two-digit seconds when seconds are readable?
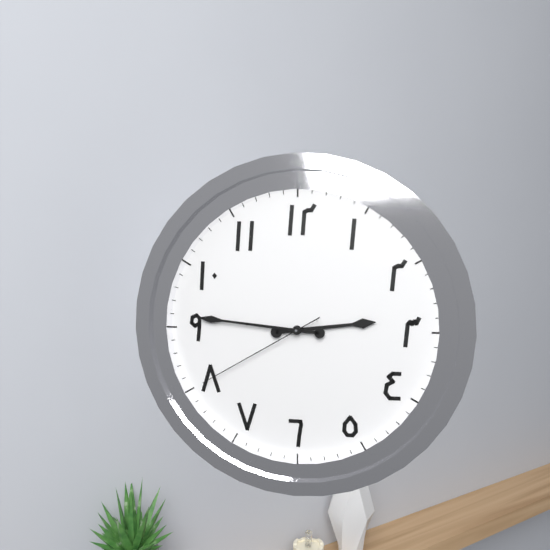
2,46,40
